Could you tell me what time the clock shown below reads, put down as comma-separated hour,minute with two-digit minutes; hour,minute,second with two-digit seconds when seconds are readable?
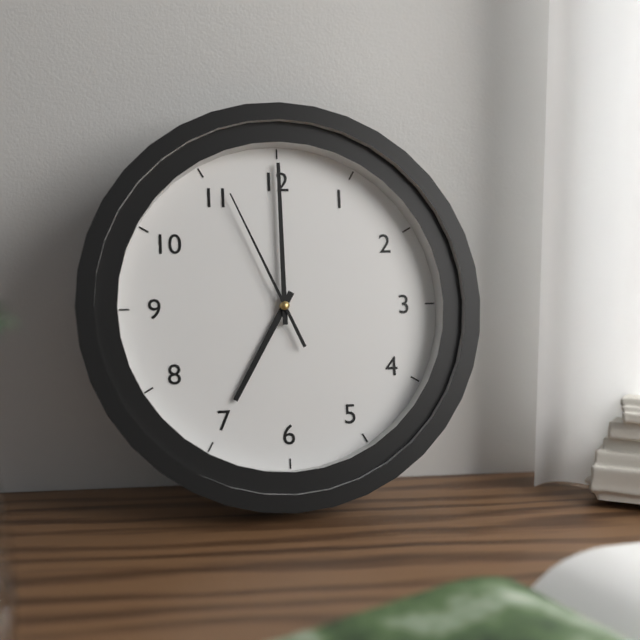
7,00,56
